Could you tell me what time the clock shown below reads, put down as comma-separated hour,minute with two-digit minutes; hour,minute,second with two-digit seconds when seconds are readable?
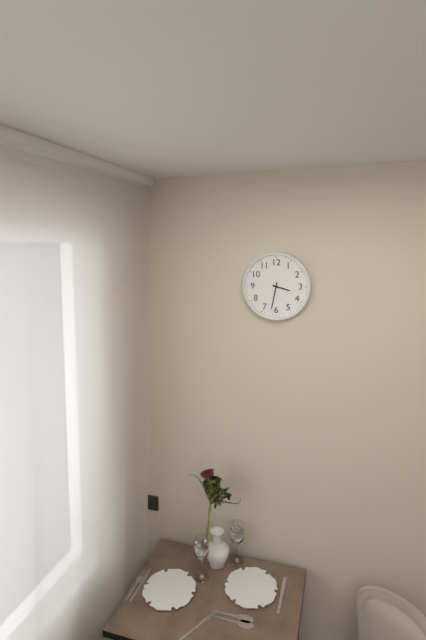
3,32
